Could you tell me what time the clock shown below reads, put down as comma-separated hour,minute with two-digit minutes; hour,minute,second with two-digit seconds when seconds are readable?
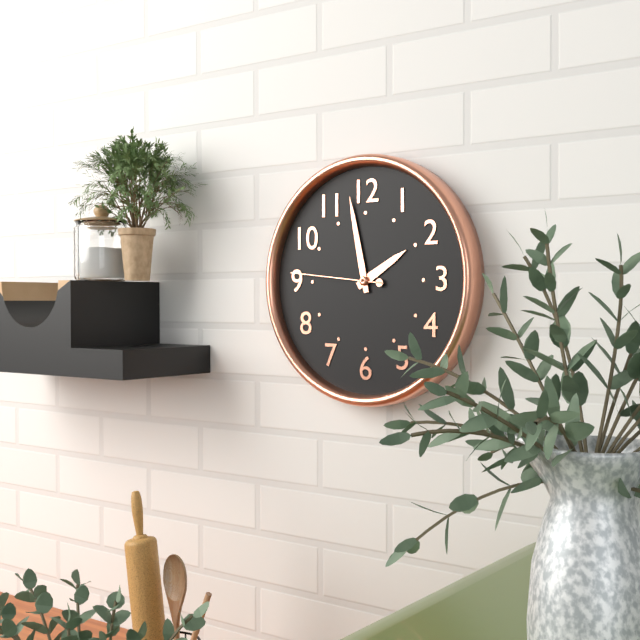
1,58,46
